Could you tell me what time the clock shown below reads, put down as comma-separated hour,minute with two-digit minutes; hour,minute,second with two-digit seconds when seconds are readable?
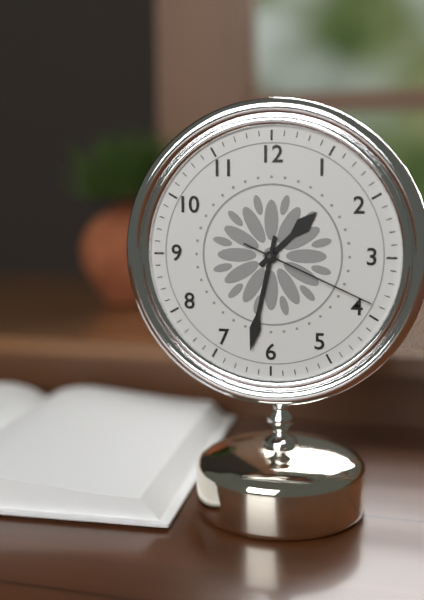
1,32,19
